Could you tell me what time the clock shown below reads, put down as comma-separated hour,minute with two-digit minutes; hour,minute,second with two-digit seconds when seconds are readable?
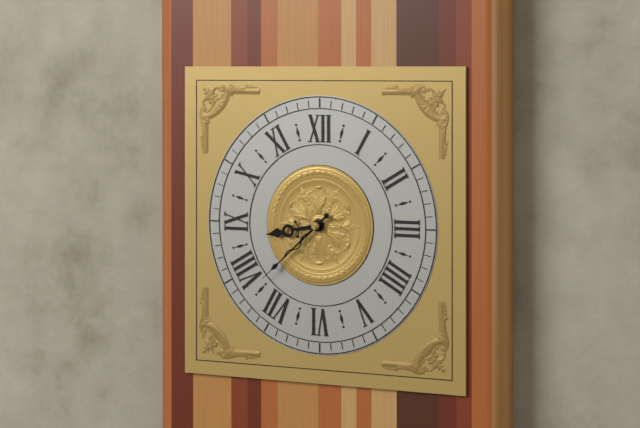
8,38
